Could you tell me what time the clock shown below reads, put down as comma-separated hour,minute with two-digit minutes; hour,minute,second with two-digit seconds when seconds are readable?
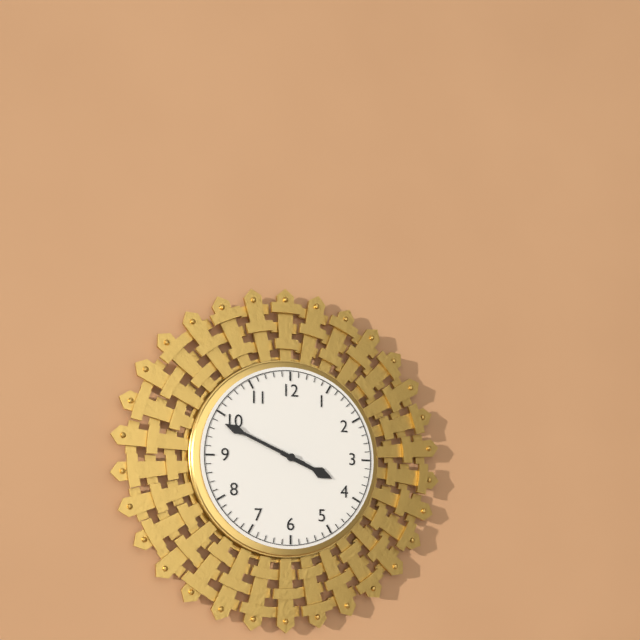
3,49
